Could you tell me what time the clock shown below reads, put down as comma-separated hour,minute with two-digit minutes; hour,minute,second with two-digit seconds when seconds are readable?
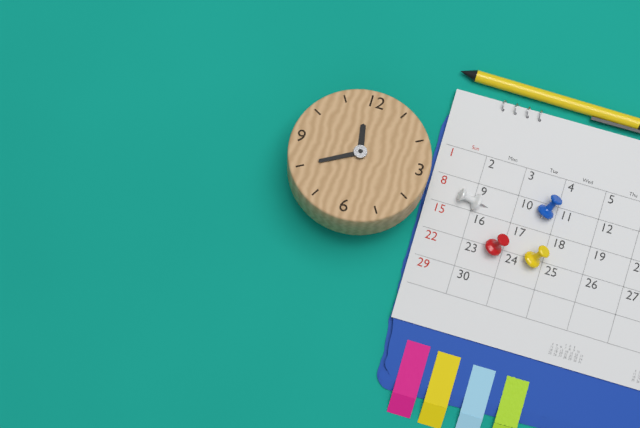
11,40
